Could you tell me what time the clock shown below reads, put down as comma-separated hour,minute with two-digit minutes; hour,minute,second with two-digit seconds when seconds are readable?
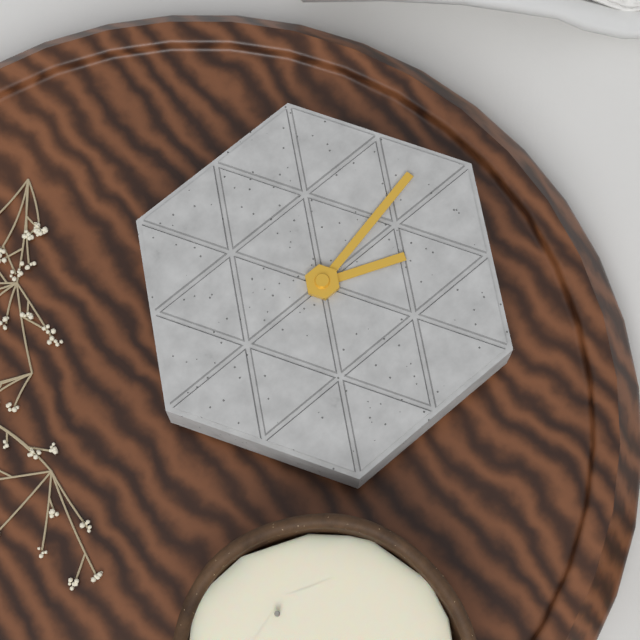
9,43
